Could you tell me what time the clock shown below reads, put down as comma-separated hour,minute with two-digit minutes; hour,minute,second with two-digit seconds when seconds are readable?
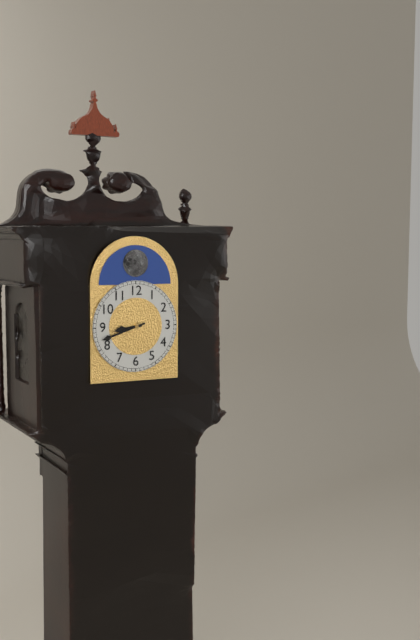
8,42
